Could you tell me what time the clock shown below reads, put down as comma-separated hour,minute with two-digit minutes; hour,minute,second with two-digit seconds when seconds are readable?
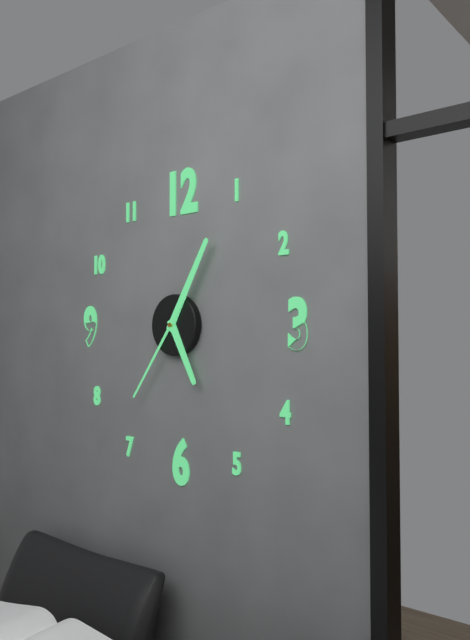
5,05,36
